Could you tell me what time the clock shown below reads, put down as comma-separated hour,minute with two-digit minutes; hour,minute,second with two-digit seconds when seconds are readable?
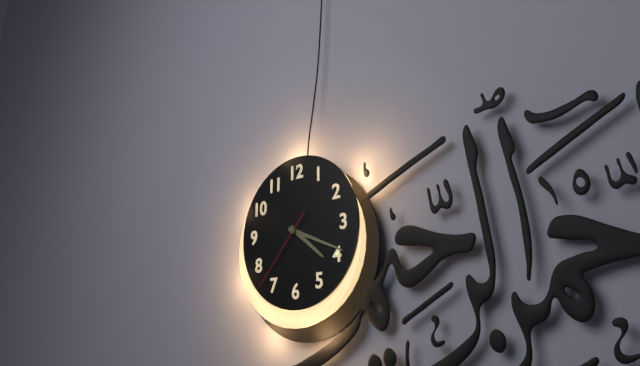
4,19,37
